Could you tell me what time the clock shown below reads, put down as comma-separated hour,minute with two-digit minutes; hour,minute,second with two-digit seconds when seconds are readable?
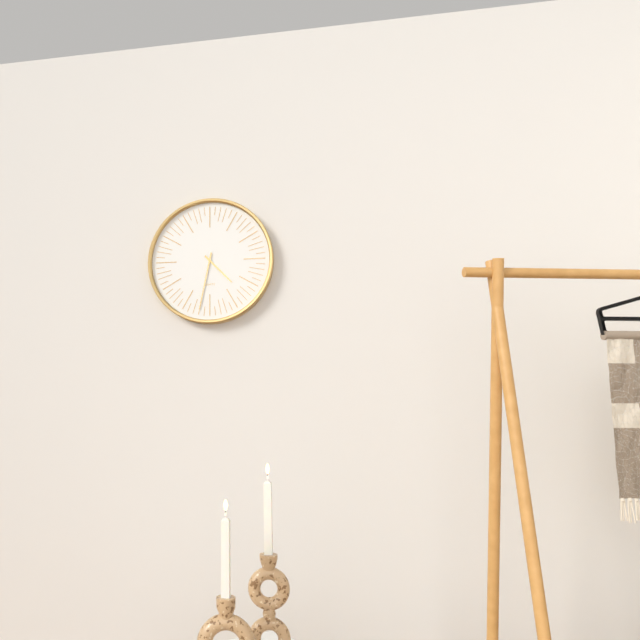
4,32
